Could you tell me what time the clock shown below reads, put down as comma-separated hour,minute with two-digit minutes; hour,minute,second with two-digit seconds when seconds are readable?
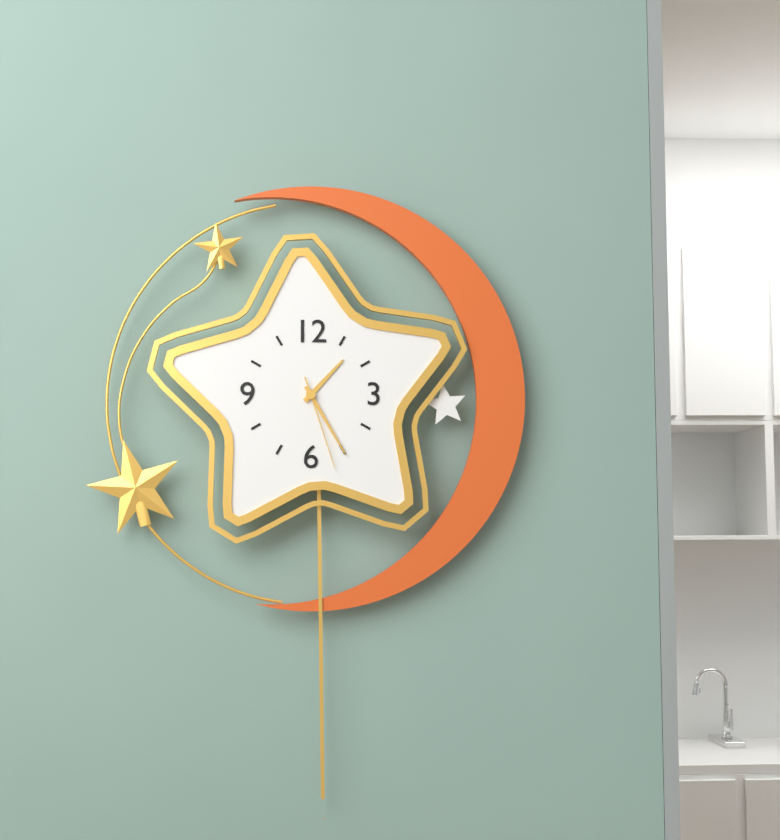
1,25,27
